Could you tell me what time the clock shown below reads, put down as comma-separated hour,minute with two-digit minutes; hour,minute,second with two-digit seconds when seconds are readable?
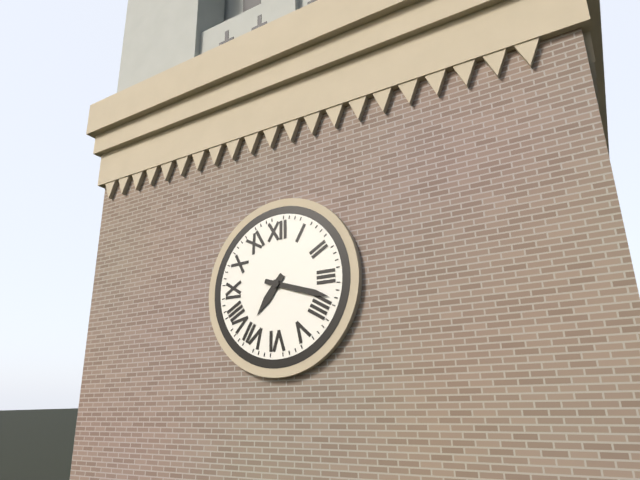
7,18
